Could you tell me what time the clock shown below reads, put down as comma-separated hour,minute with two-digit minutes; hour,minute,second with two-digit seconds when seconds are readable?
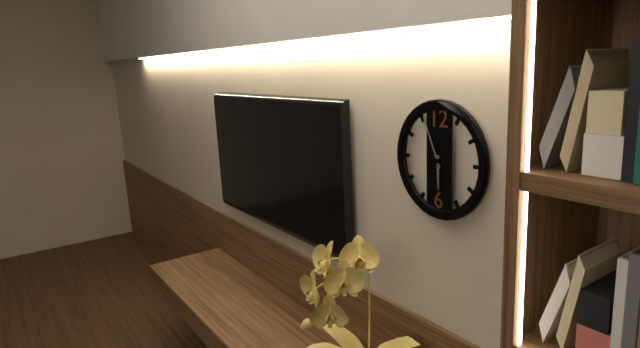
5,56
